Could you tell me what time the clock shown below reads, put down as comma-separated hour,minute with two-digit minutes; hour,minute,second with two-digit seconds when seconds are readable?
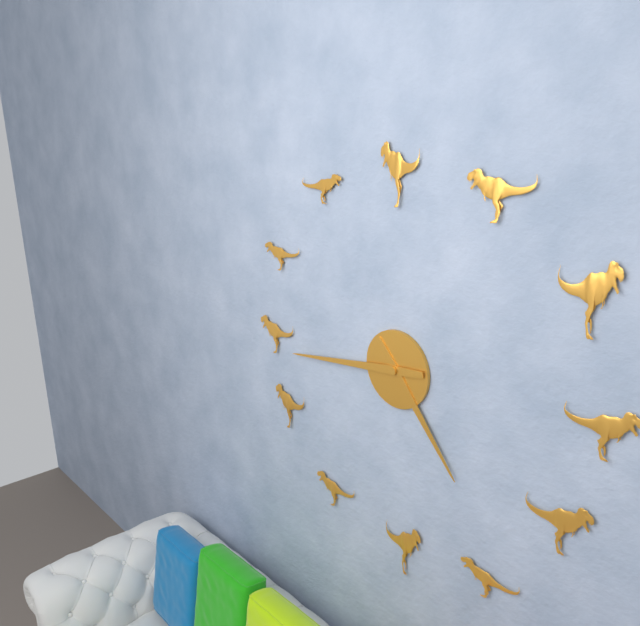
4,44
